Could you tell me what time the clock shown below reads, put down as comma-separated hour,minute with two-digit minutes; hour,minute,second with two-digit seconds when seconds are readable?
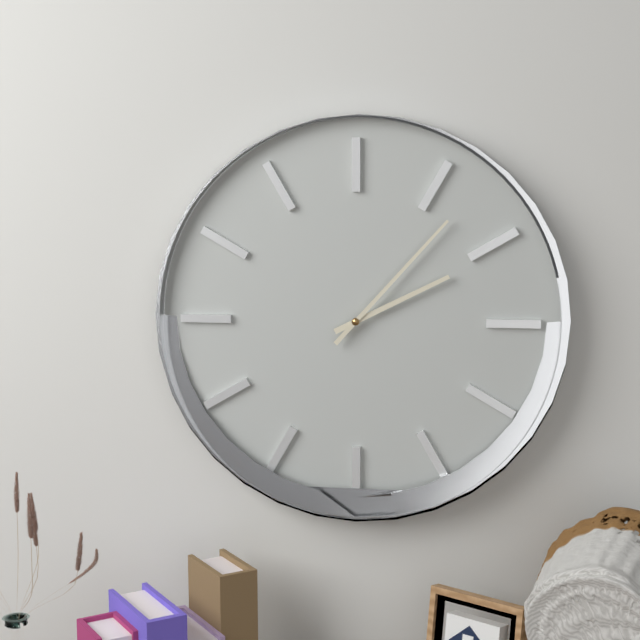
2,07
